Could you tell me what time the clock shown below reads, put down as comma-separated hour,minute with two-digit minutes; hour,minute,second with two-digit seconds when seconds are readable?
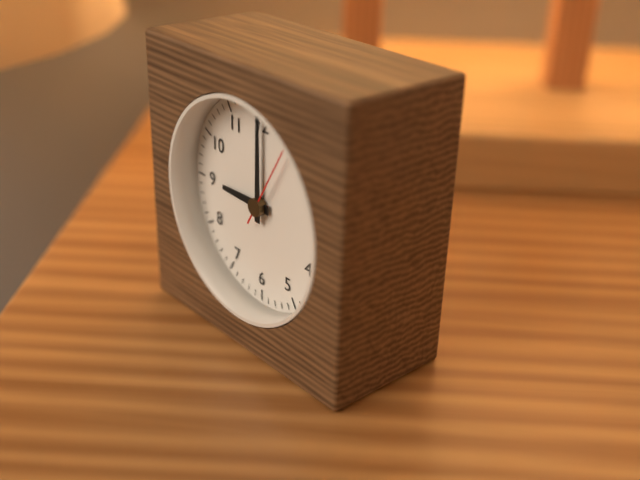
9,00,05
